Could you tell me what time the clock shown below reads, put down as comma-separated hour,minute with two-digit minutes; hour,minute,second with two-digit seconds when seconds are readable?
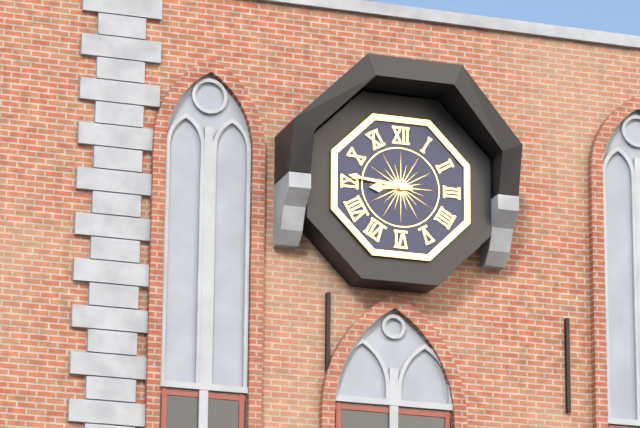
8,46
